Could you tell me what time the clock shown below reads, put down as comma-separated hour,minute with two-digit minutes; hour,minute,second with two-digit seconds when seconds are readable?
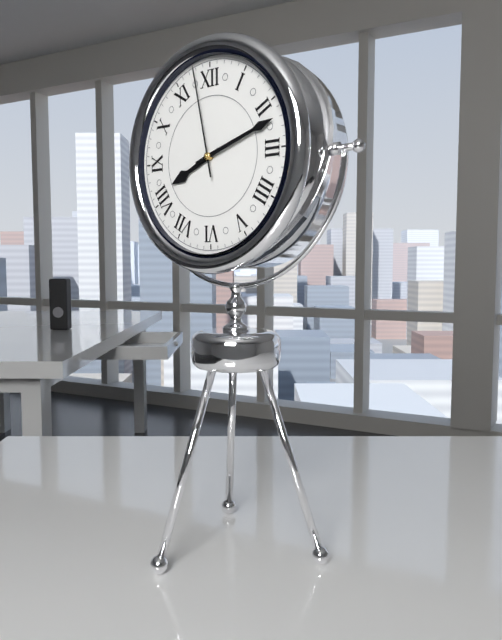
8,12,58
